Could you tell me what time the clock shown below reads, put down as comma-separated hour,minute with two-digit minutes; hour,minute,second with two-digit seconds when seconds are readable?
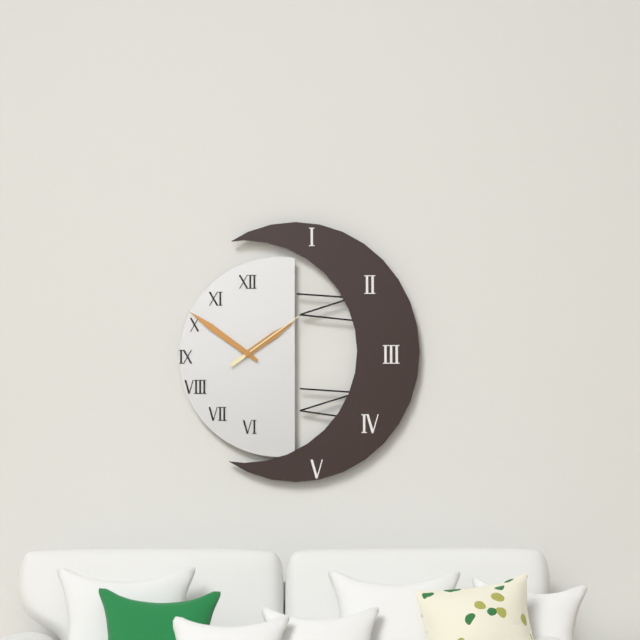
1,51,09
